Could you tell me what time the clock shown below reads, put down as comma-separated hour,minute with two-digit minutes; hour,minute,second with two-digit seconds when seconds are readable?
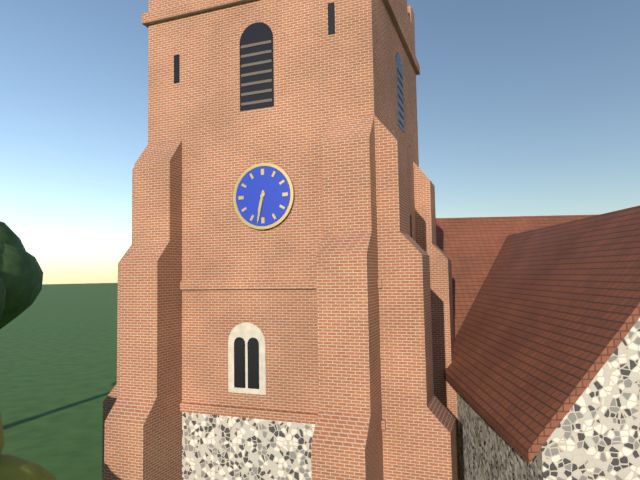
6,32
